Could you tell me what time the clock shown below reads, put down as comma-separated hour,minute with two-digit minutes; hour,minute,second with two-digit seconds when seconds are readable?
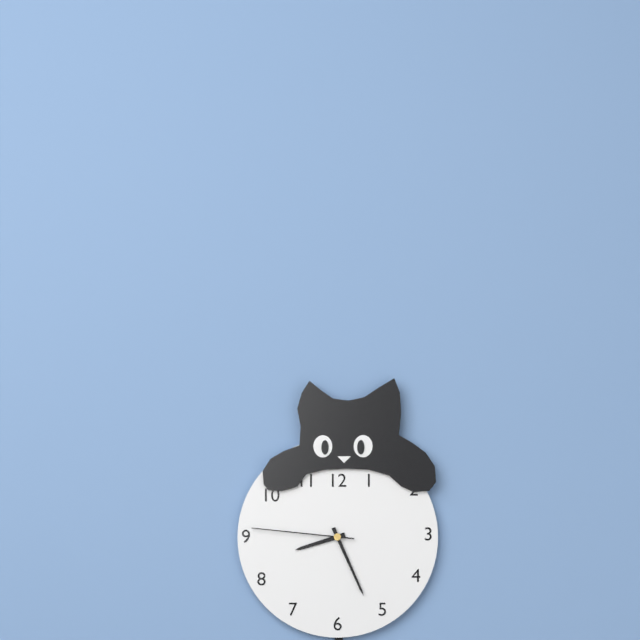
8,26,46
